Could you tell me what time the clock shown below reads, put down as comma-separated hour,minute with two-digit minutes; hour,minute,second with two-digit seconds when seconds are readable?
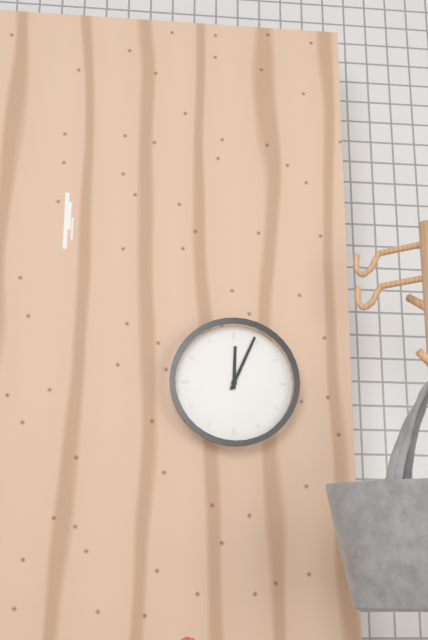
12,04
